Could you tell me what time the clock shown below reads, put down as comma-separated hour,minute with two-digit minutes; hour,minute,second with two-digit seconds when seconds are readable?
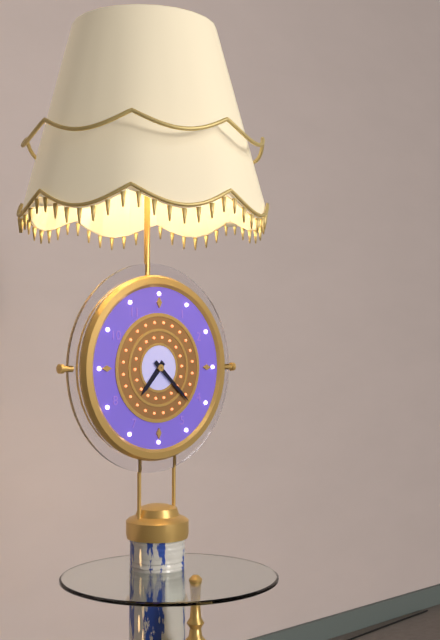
7,22
